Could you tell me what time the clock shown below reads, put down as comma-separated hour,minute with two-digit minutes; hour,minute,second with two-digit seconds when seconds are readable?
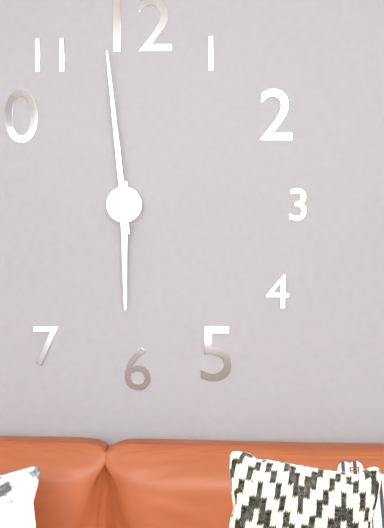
5,59
